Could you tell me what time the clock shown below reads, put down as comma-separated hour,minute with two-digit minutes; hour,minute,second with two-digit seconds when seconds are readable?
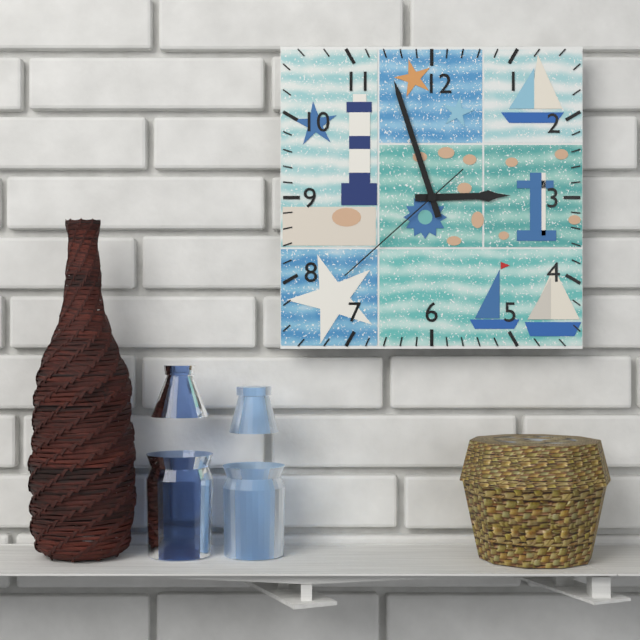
2,57,38
